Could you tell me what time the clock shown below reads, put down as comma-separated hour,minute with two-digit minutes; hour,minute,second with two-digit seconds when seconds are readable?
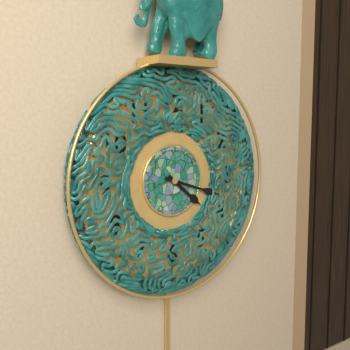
4,18
